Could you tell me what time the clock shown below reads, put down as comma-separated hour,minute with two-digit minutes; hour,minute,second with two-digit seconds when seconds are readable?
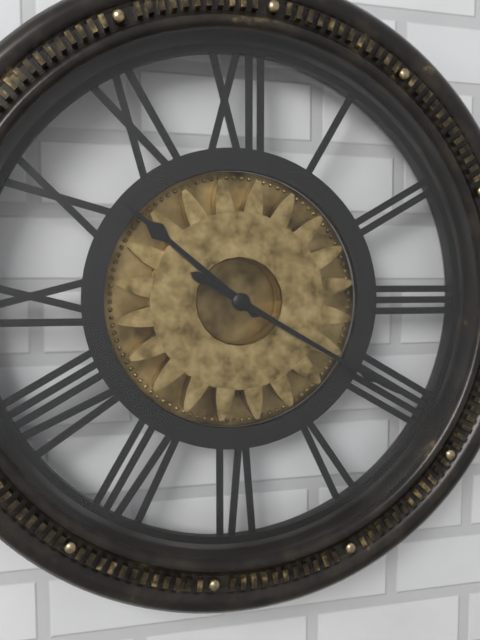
10,20
